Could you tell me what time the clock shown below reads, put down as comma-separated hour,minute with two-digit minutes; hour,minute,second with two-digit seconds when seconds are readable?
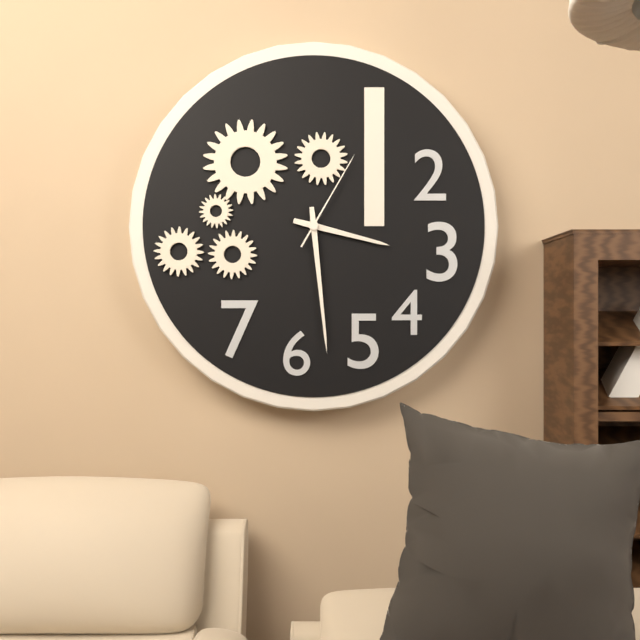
3,29,05
